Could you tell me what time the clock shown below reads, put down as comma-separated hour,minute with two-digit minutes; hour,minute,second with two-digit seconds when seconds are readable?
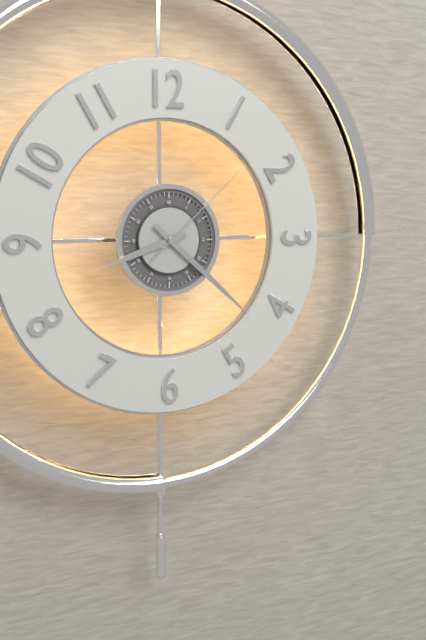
8,22,08
